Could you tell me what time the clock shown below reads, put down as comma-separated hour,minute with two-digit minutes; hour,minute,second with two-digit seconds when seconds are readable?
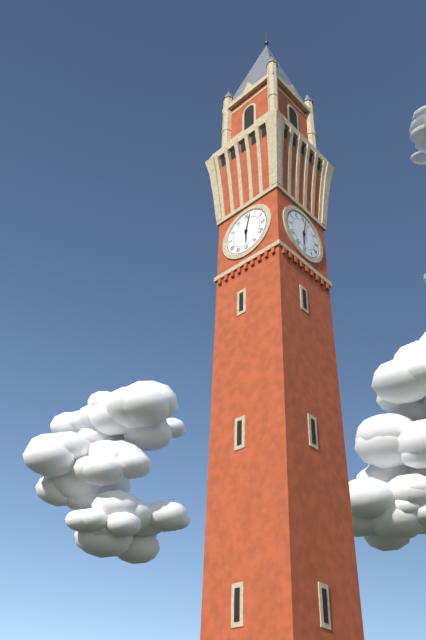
6,02
